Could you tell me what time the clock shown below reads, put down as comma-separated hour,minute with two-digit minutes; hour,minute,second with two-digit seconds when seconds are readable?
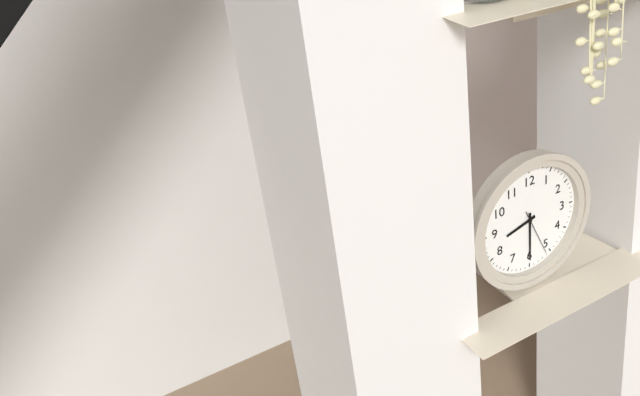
8,30
